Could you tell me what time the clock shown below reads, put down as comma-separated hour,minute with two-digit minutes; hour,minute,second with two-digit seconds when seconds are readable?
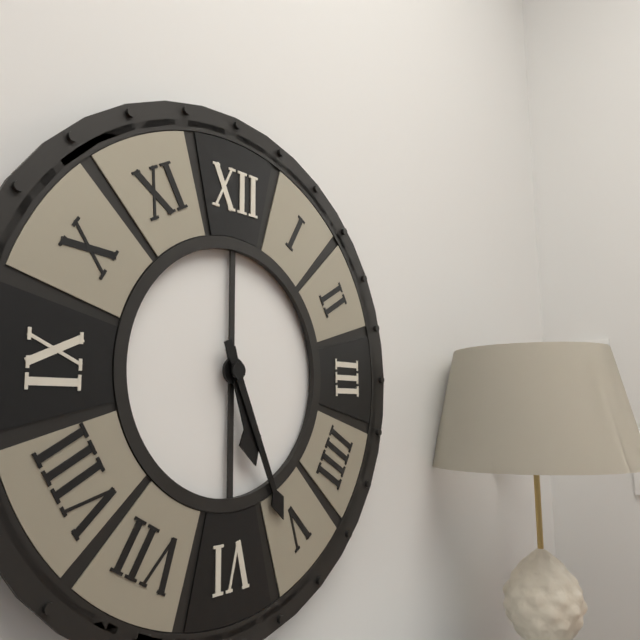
5,26
